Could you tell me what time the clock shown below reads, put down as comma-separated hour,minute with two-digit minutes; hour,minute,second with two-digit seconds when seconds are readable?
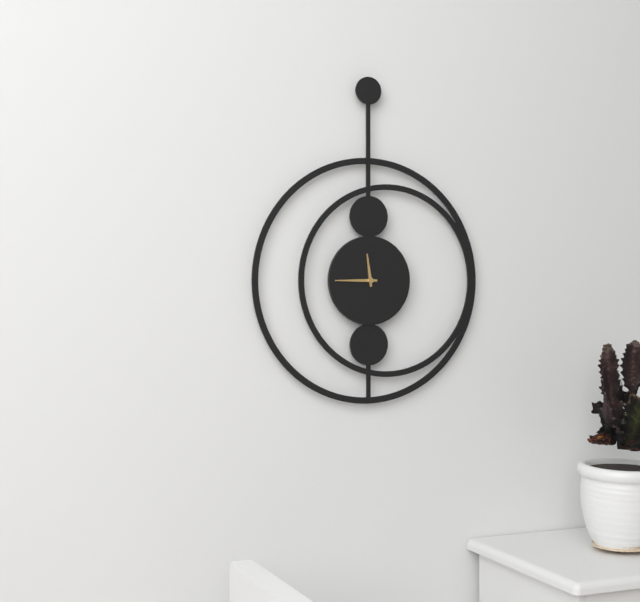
11,45
